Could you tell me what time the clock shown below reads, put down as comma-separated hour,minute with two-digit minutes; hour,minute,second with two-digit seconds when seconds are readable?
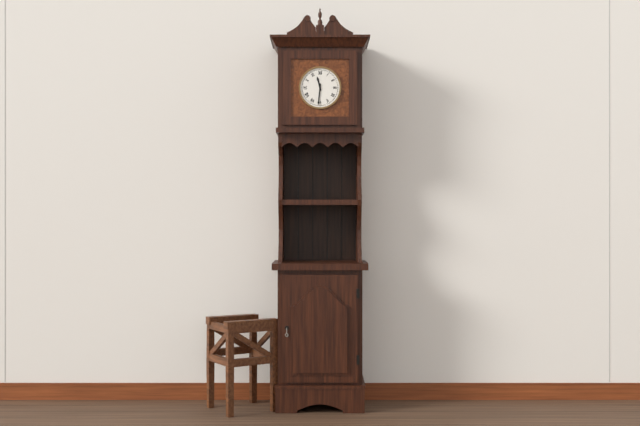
11,31
